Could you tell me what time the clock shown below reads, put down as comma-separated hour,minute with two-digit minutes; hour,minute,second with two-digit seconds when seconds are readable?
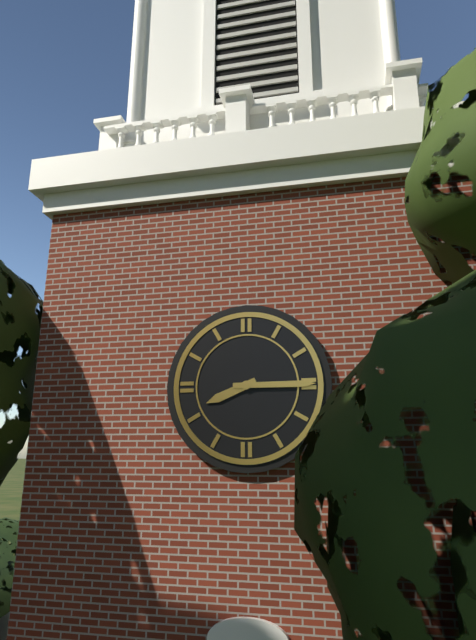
8,15
